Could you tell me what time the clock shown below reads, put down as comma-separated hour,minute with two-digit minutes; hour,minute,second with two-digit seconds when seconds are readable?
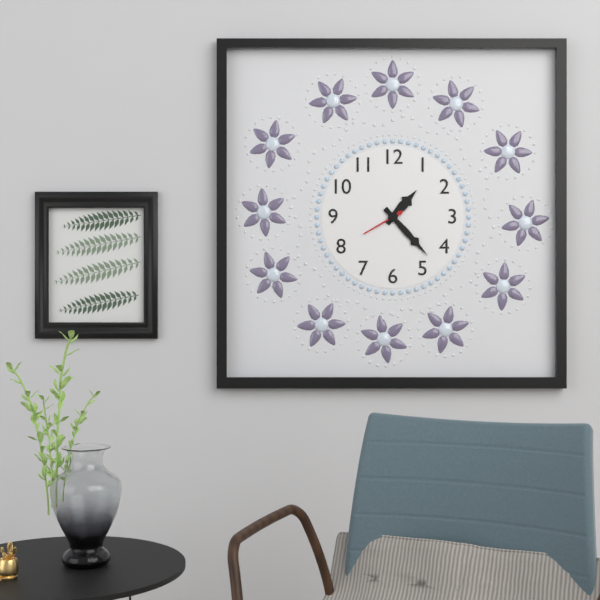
1,23
